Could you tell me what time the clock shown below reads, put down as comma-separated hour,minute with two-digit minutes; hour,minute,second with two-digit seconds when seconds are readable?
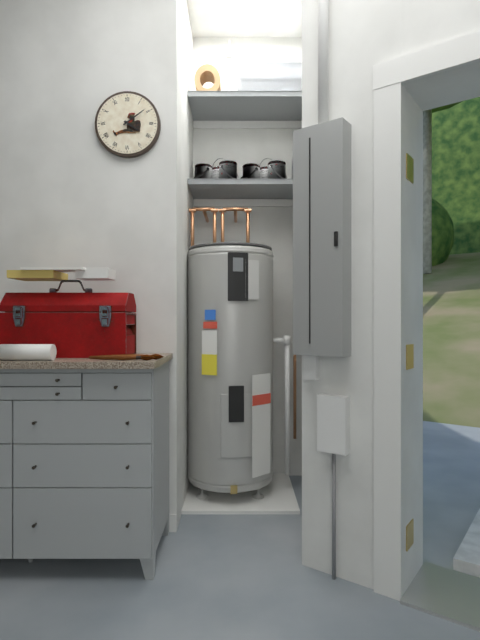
4,09
